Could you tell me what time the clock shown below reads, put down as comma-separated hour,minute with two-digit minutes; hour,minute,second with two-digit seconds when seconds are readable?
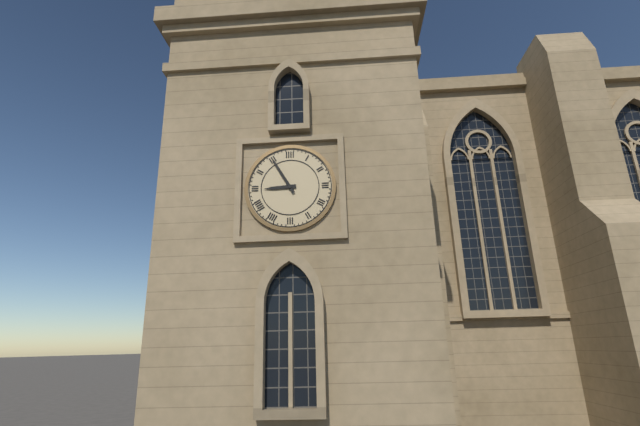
8,55
